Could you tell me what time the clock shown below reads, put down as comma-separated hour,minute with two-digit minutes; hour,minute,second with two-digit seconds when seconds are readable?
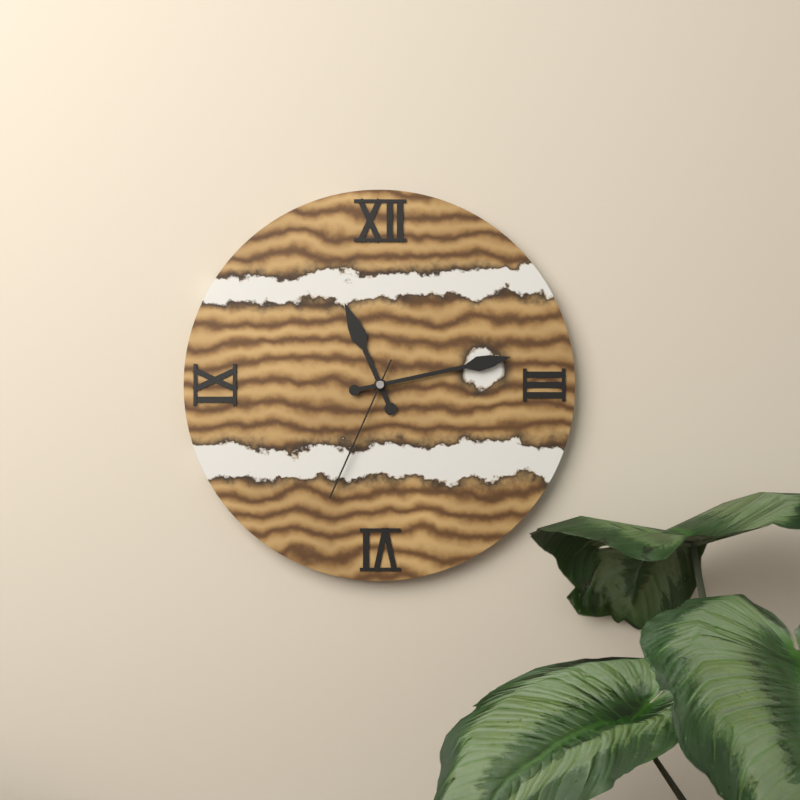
11,13,34
